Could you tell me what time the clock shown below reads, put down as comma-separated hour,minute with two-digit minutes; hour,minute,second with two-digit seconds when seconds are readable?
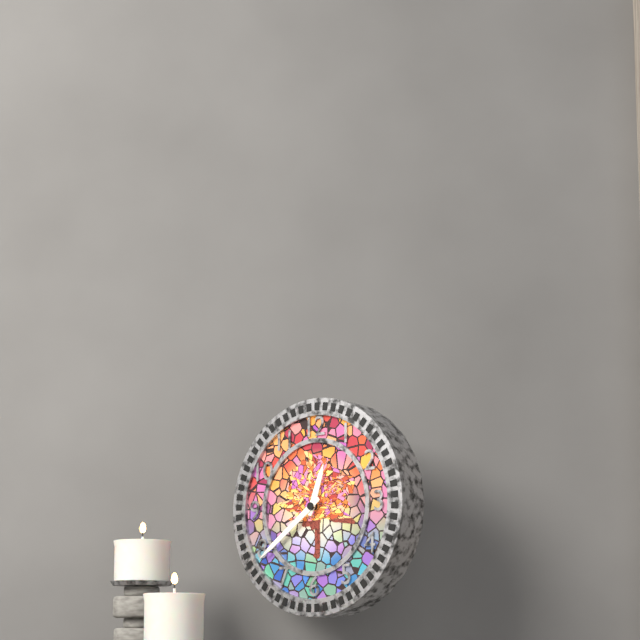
12,39
